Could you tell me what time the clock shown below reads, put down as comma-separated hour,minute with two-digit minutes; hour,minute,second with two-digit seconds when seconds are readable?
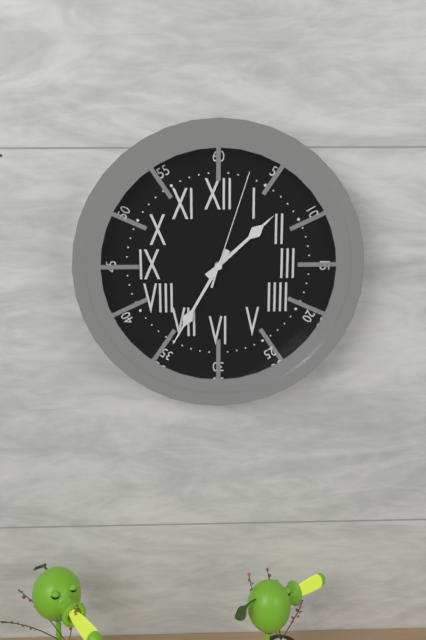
1,35,03
